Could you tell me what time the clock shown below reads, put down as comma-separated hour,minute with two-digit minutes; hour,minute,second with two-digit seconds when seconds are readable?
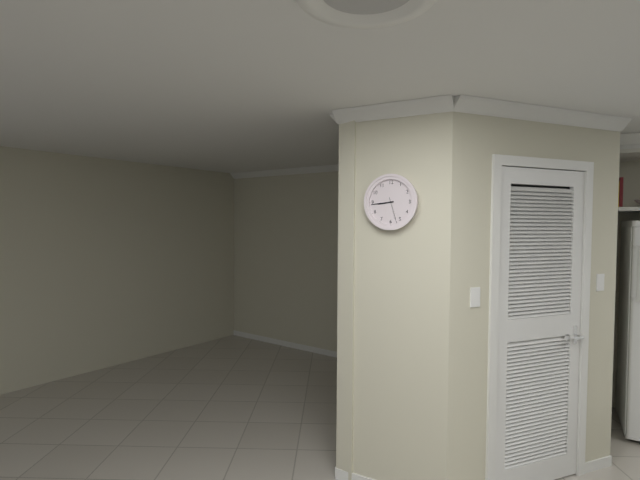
8,44
